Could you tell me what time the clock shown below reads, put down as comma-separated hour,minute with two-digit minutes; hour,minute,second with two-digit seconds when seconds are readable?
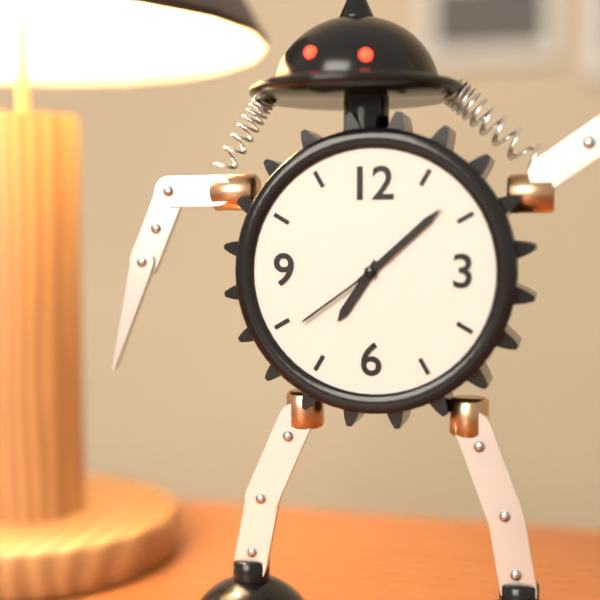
7,08,39
